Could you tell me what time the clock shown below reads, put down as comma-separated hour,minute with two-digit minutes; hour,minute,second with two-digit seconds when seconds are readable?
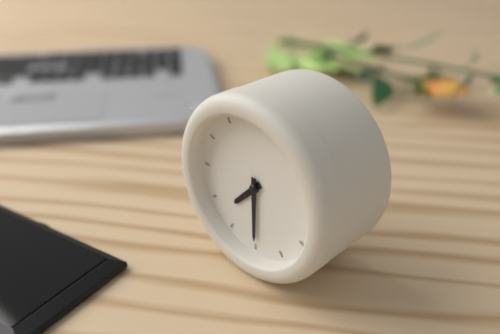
7,30
